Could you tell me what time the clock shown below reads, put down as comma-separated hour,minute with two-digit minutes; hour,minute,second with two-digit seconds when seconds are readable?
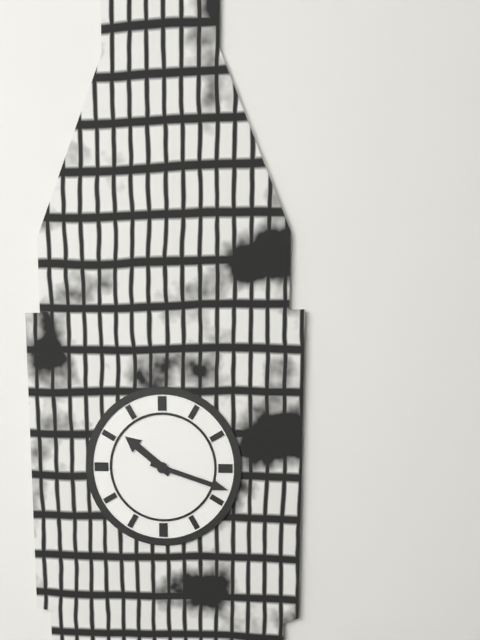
10,18
